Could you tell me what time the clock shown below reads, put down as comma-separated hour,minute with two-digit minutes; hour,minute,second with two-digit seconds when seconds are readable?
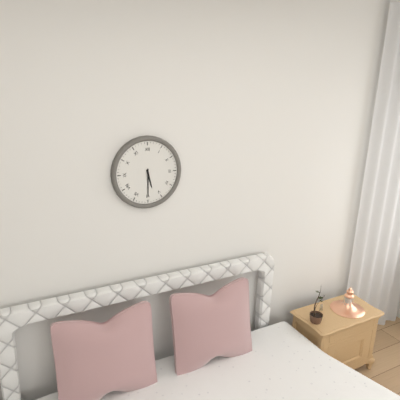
5,30
